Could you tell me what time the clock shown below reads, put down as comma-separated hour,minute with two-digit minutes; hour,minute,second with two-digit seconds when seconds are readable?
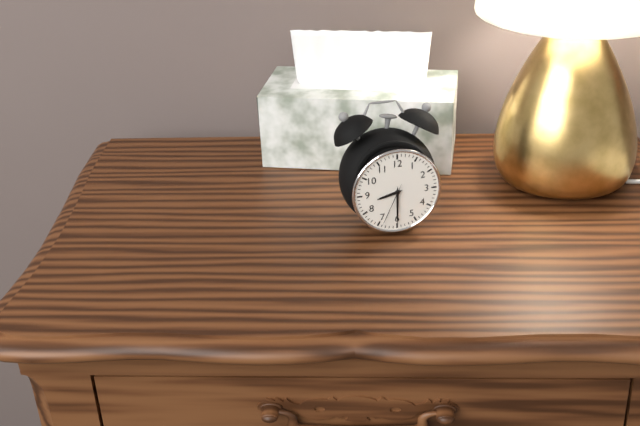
8,30
